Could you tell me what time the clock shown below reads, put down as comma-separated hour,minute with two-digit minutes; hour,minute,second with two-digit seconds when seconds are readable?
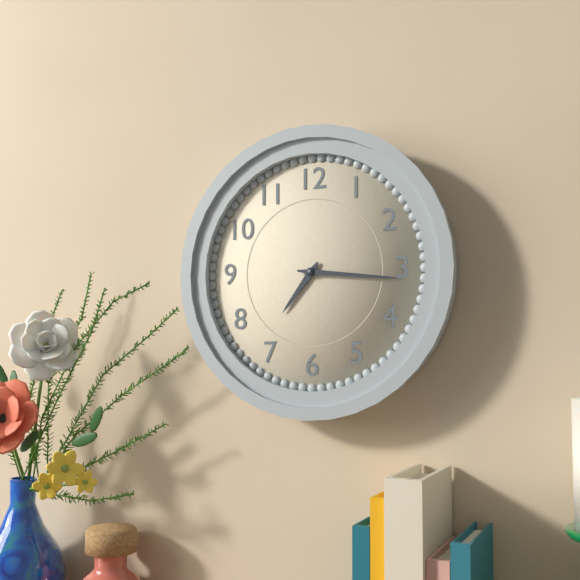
7,16
